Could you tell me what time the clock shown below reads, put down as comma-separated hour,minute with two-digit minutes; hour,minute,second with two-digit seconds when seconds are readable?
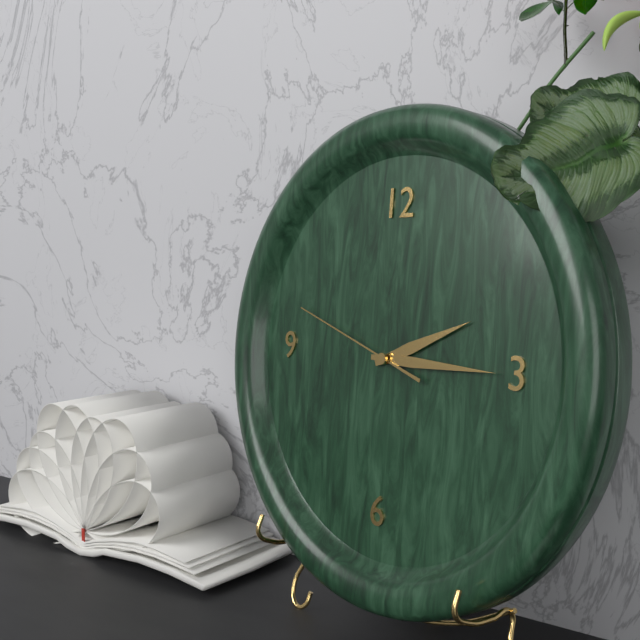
2,15,48
